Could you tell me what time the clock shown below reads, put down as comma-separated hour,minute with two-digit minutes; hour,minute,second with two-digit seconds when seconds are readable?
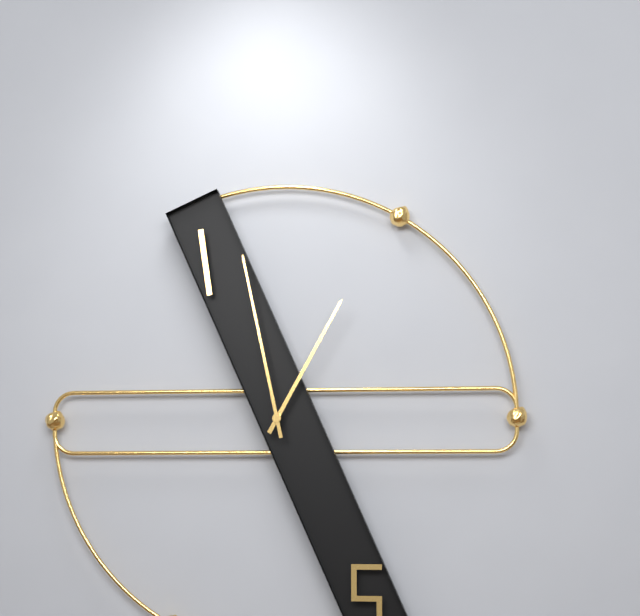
12,58
